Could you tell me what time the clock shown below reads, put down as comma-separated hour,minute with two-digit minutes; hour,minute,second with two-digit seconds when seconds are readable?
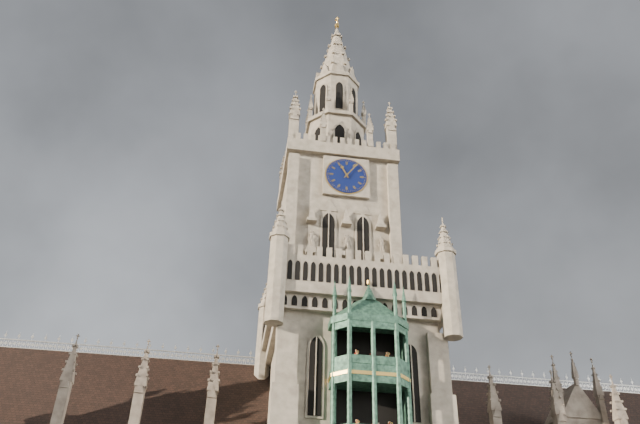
11,06
